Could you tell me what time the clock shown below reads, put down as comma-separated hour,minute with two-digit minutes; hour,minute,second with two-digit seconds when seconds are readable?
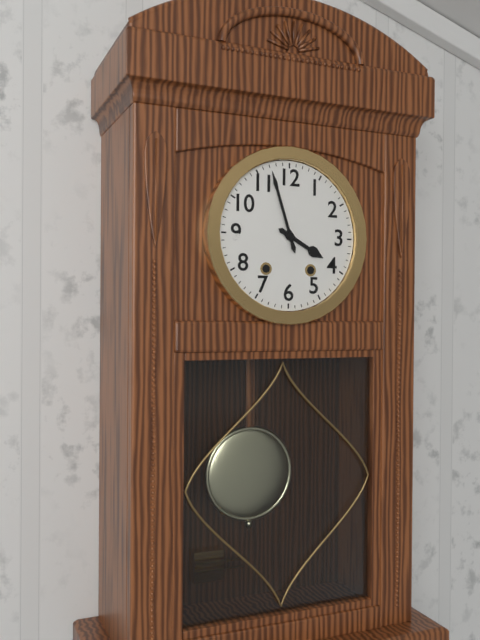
3,57
